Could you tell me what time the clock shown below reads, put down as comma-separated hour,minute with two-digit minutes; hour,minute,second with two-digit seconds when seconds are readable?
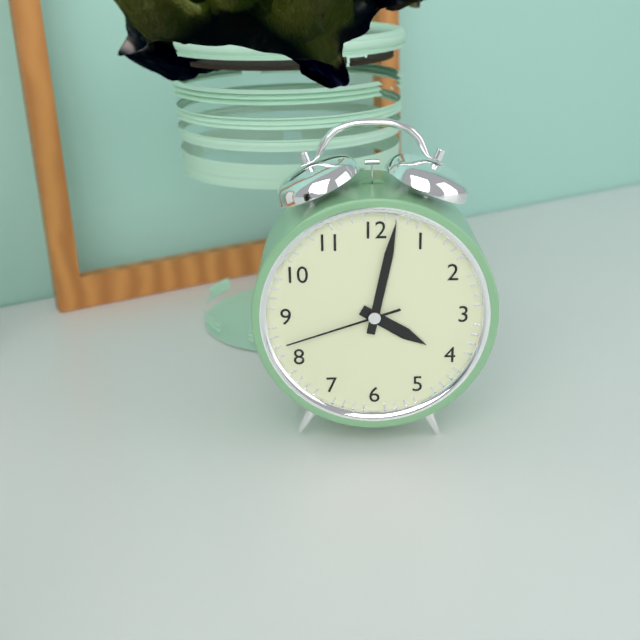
4,02,42
